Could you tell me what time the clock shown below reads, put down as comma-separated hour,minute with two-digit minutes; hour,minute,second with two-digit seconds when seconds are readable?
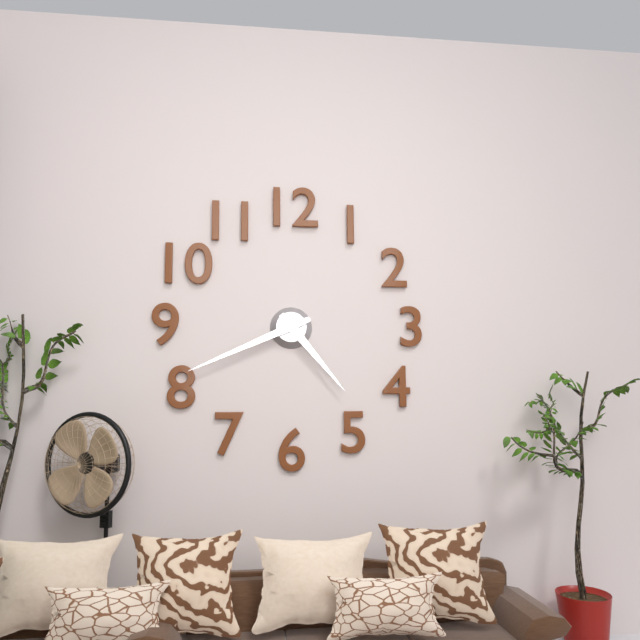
4,41
